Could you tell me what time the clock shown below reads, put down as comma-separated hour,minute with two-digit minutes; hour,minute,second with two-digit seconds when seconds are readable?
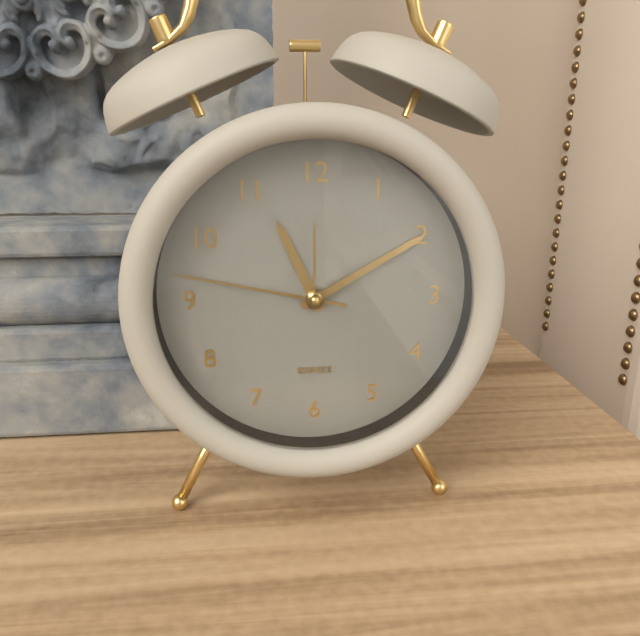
11,10,47
